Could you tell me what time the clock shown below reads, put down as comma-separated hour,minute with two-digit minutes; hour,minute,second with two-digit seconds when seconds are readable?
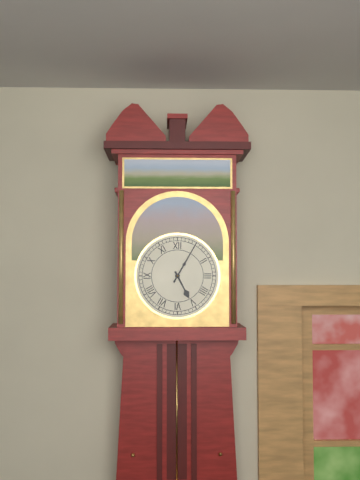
5,05
